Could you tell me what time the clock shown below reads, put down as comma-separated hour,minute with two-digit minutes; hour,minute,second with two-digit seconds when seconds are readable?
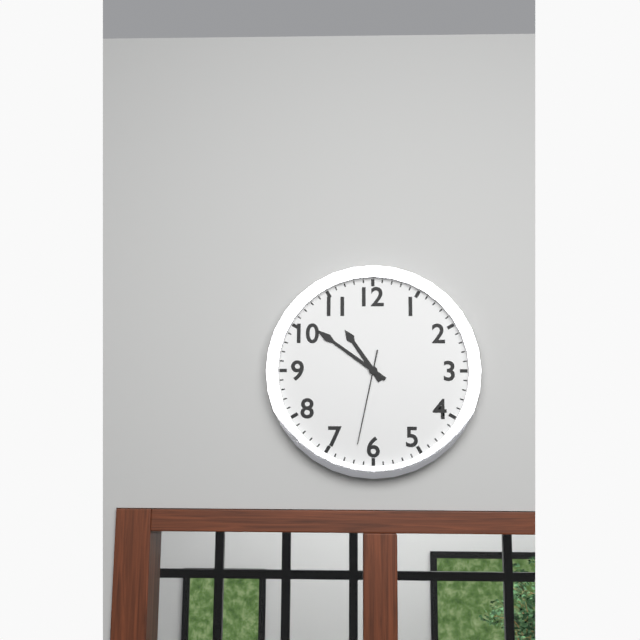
10,51,32
